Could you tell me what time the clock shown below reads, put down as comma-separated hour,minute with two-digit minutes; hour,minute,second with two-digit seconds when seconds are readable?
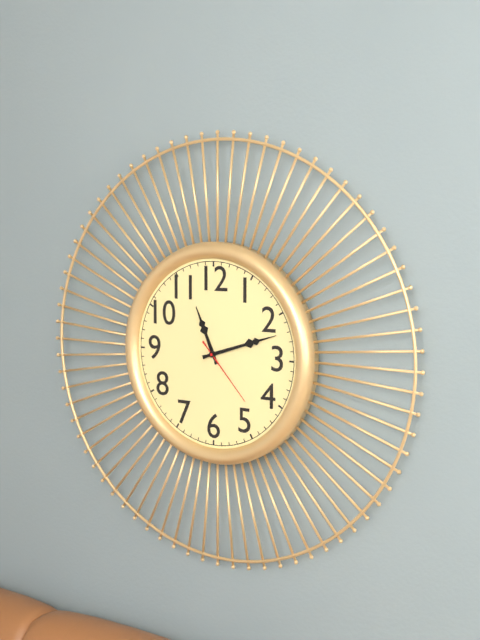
11,12,23
